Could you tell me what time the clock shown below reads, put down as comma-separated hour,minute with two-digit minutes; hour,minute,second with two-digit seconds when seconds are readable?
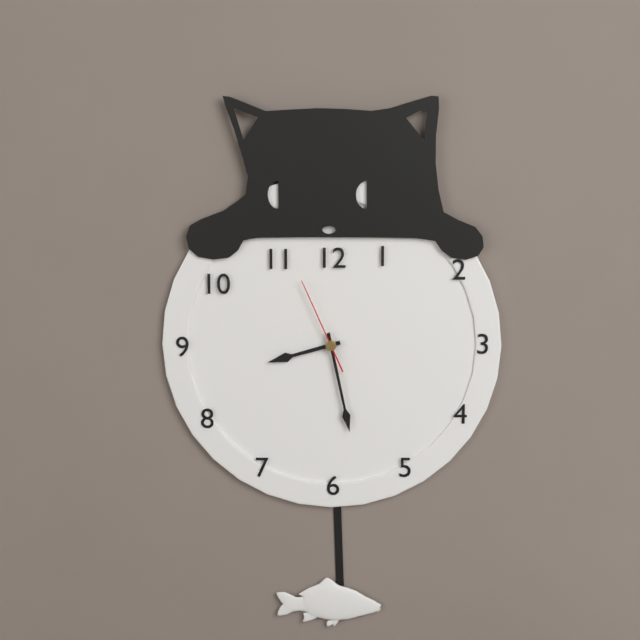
8,28,56
